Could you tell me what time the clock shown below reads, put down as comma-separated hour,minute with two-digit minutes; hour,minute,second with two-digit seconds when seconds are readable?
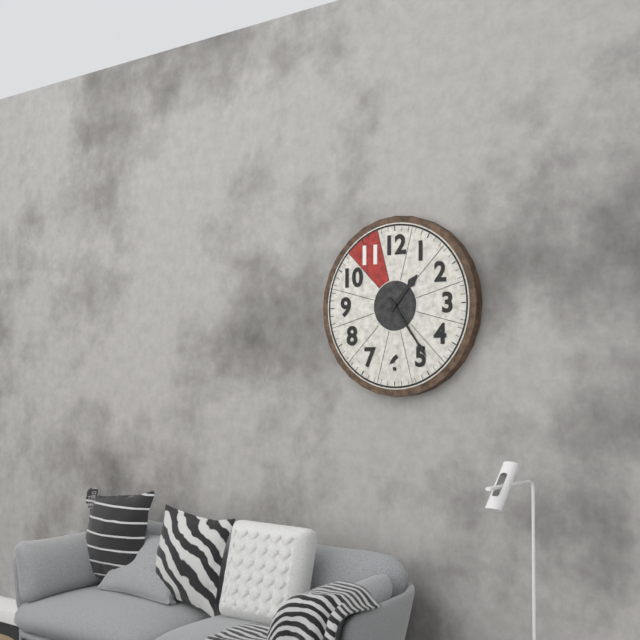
1,24
